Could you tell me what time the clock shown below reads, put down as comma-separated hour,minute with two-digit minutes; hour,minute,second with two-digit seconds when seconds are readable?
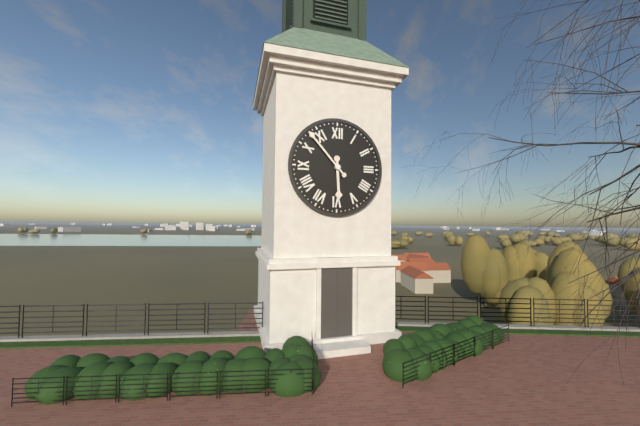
5,53
